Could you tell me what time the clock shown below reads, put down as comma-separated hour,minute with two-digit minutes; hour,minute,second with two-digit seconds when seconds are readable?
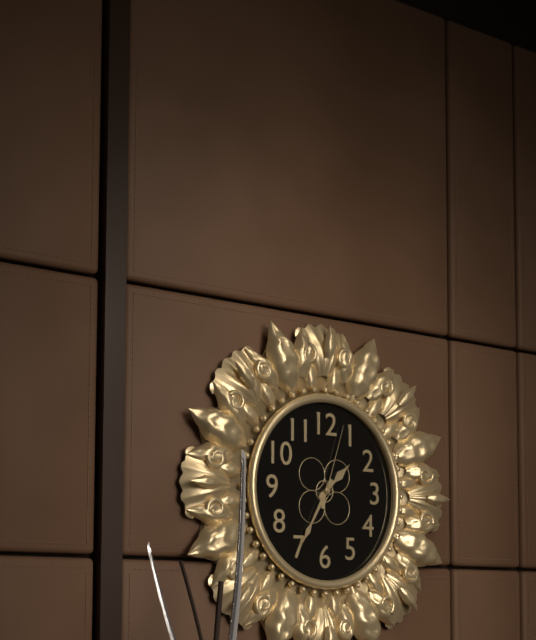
1,35,03
